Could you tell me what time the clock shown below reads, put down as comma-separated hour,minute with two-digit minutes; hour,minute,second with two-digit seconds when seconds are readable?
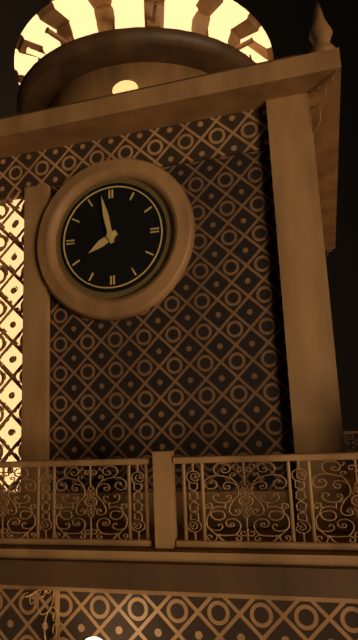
7,58
